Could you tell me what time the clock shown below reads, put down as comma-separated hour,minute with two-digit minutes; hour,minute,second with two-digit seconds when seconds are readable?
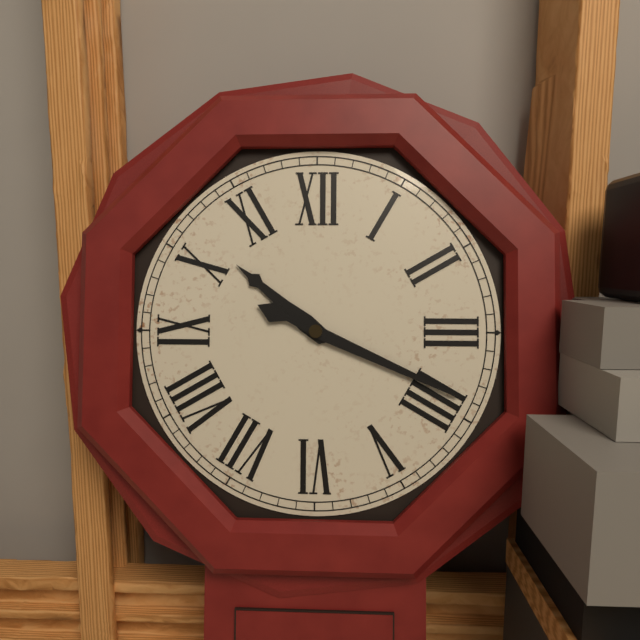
10,19
